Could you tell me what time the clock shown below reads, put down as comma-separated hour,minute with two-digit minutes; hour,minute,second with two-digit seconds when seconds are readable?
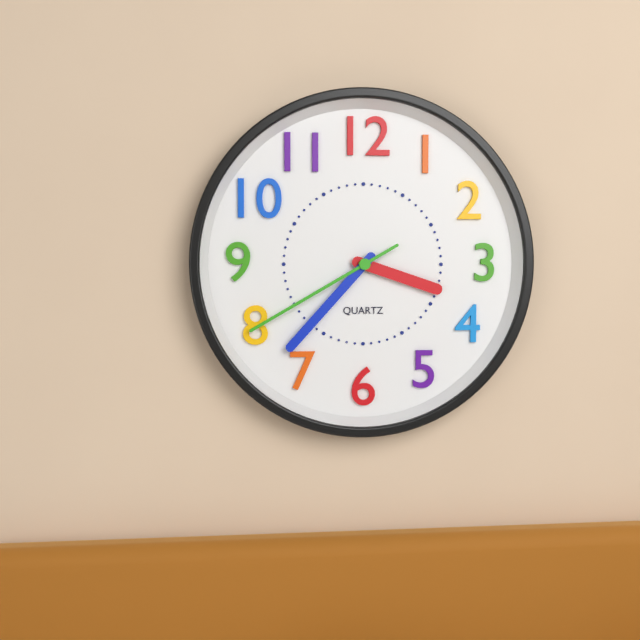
3,37,40
